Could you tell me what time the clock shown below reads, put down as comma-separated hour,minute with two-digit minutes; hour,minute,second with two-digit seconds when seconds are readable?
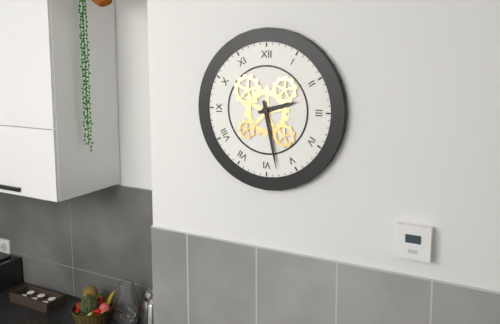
2,28
